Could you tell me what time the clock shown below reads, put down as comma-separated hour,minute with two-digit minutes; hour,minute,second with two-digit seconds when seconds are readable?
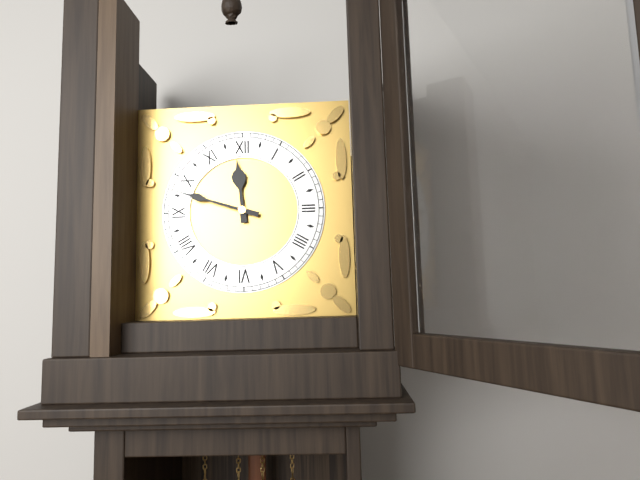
11,48
